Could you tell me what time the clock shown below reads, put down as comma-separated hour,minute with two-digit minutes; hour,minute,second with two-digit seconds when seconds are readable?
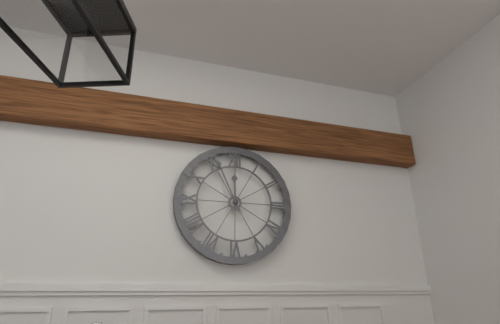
11,56
